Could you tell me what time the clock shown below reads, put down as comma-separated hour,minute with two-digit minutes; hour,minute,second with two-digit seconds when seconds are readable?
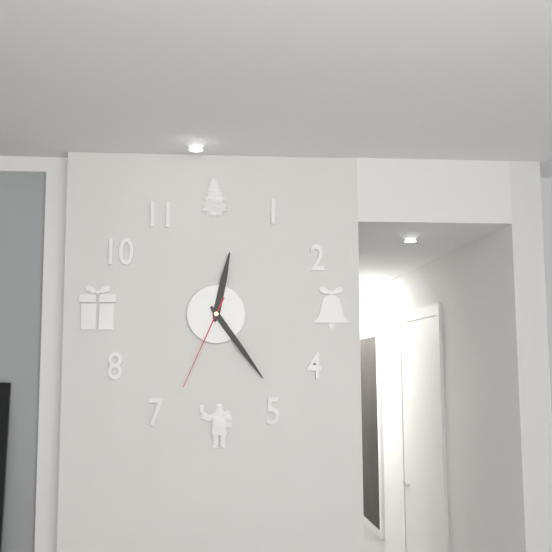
12,24,34
